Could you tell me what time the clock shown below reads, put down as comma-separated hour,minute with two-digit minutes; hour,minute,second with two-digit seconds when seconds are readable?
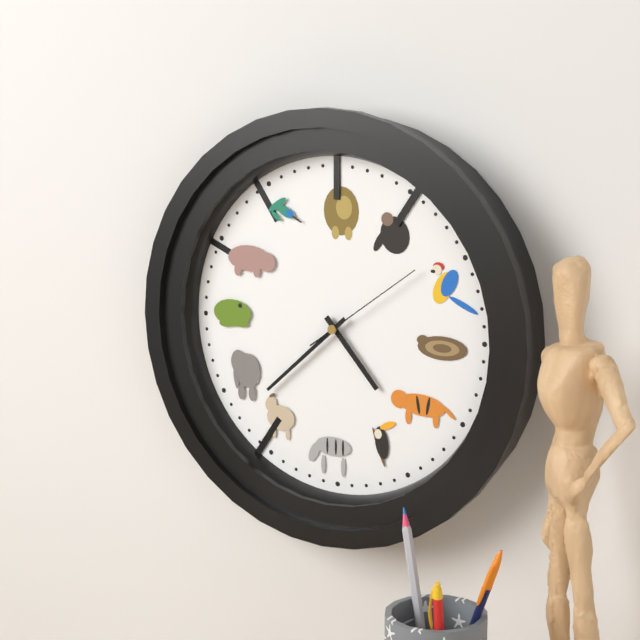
4,38,09
